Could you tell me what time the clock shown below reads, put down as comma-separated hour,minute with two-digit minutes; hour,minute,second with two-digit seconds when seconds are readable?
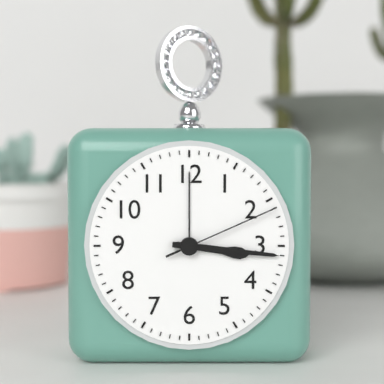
3,16,11
